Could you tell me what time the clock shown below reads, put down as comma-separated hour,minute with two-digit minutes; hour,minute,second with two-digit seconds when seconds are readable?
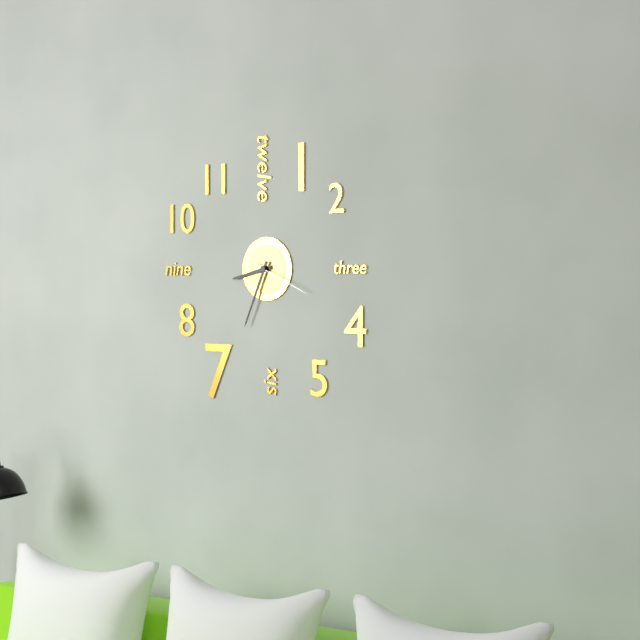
8,34,19
